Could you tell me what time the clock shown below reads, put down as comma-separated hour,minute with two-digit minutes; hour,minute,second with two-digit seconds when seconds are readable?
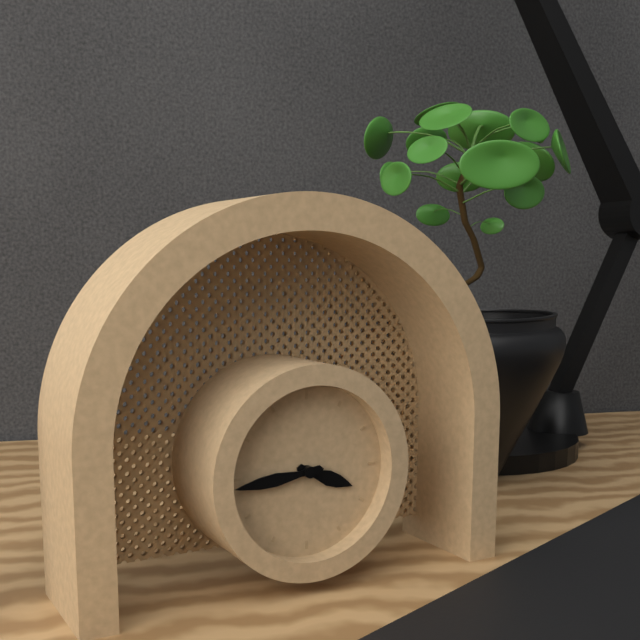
3,44
